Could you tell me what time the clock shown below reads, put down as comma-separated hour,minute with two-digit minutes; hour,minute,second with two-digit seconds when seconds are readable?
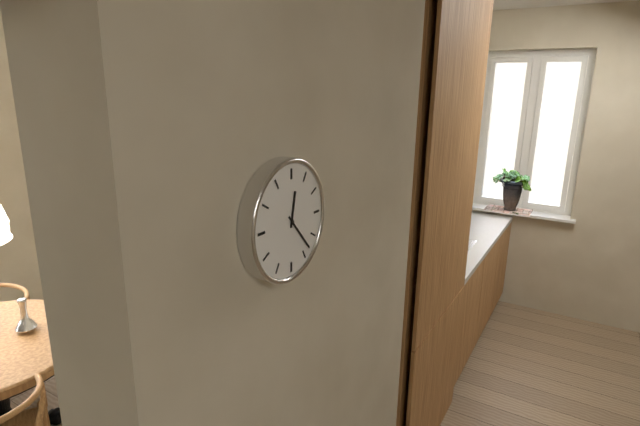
12,23
